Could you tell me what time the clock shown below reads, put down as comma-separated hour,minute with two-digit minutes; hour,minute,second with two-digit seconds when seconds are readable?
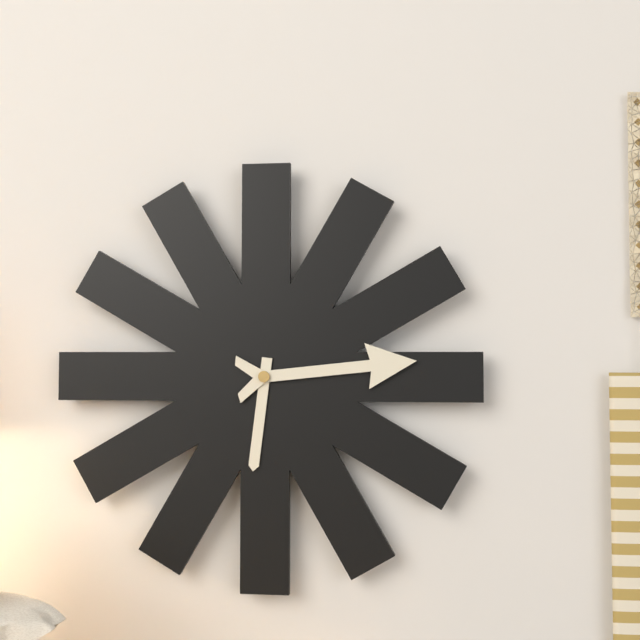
6,14
